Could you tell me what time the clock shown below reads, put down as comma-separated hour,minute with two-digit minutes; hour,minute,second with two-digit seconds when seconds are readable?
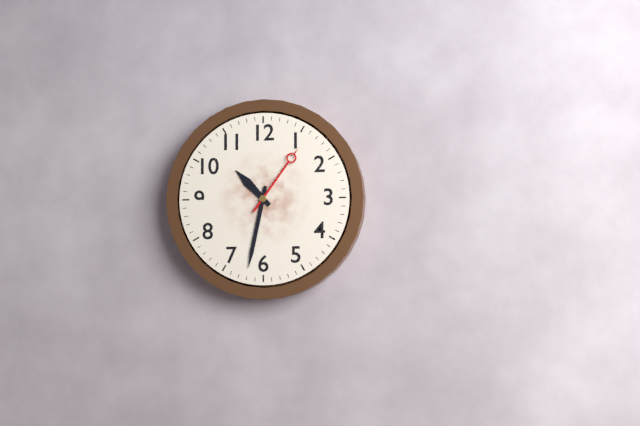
10,32,06
